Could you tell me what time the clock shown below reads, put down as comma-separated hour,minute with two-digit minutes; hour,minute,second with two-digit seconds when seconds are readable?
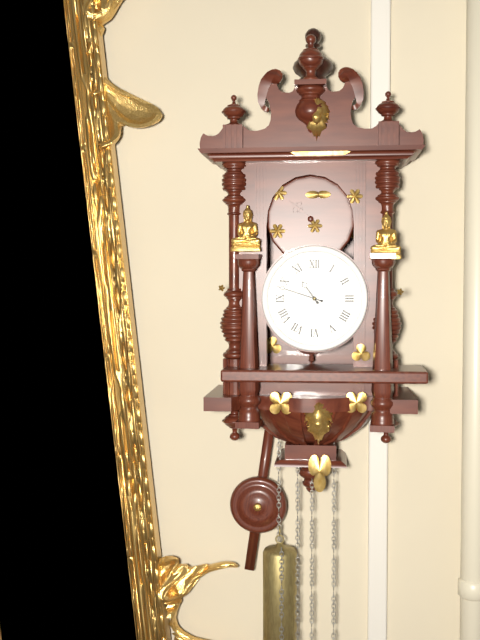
10,48
